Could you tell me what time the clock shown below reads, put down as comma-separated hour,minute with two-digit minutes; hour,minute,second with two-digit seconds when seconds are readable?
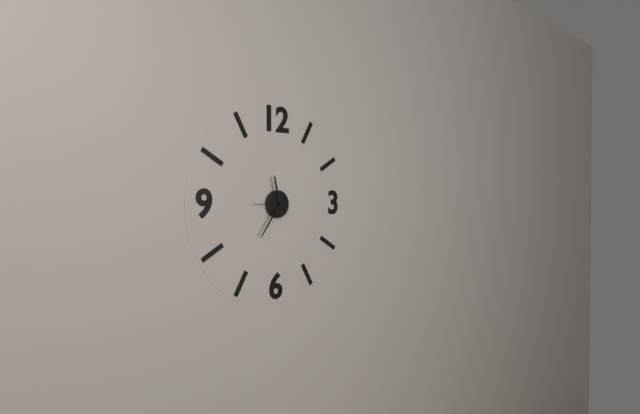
11,36
